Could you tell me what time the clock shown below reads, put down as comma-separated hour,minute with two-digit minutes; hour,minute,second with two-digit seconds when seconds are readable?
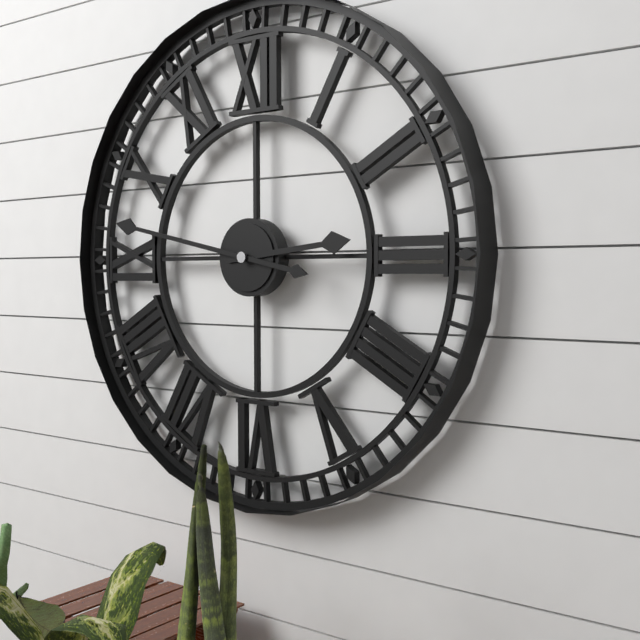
2,47
